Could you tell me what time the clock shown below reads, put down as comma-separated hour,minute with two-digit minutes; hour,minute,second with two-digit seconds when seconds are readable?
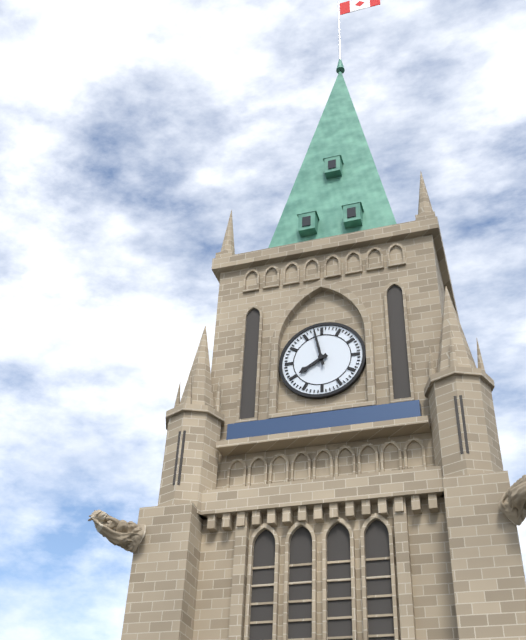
7,58
